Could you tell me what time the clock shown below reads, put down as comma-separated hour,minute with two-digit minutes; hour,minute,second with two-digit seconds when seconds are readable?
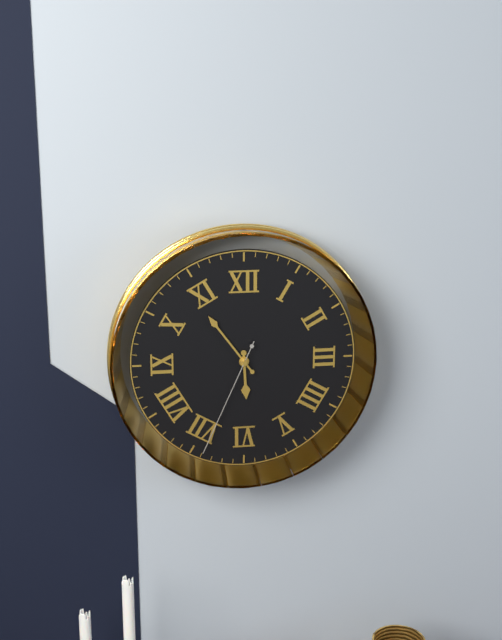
5,54,34
